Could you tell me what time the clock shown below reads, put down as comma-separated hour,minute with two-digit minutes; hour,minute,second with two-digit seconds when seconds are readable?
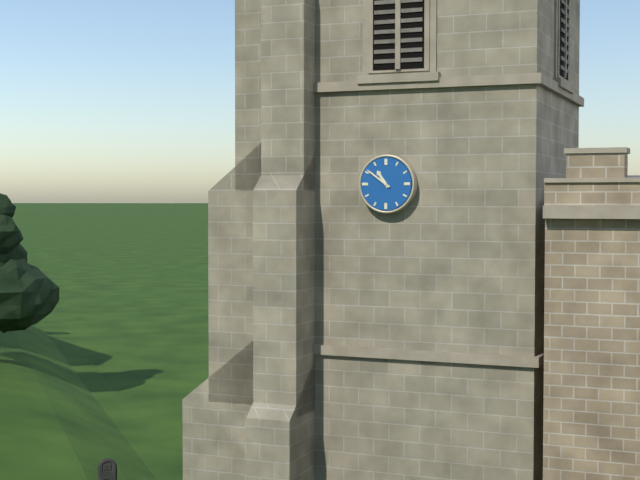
10,51
